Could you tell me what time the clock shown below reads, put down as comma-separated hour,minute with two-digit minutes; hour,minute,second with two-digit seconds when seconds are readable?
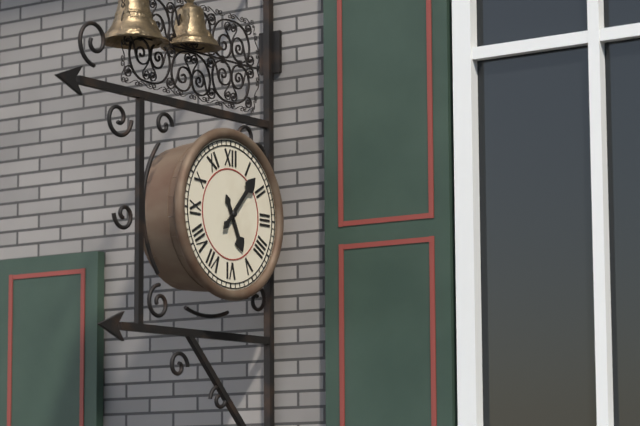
5,07
